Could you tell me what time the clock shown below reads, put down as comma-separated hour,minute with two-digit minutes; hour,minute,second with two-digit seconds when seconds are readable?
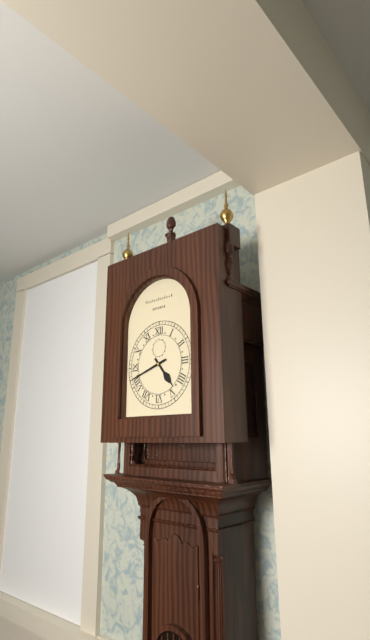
4,42
